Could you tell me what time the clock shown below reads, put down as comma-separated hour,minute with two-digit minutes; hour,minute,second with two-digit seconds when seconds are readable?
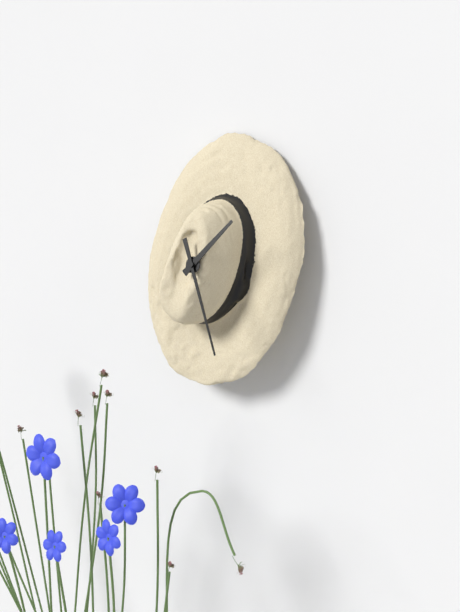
1,26
